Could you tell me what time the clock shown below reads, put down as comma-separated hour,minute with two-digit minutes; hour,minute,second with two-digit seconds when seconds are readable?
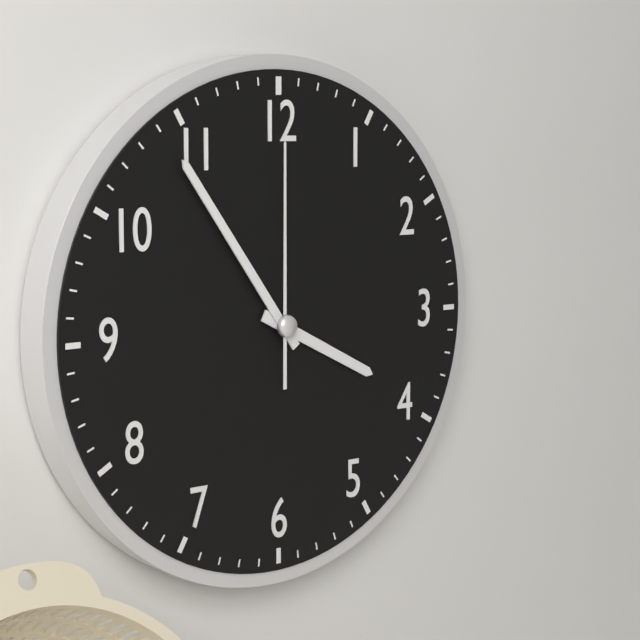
3,54,00
